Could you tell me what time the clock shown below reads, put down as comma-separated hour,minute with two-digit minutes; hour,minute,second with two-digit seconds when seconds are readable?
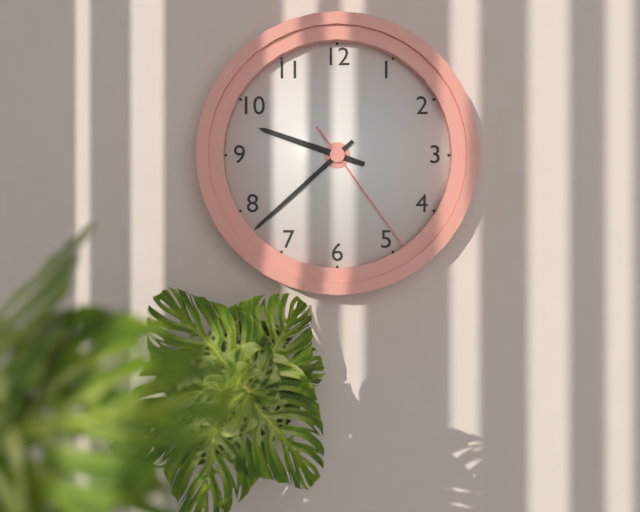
9,38,24
